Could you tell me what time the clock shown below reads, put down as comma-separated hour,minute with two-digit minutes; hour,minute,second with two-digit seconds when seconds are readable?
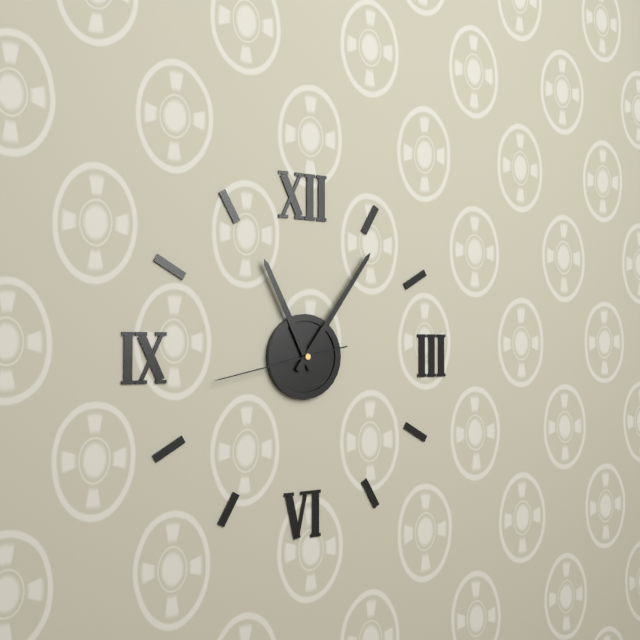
11,06,43
